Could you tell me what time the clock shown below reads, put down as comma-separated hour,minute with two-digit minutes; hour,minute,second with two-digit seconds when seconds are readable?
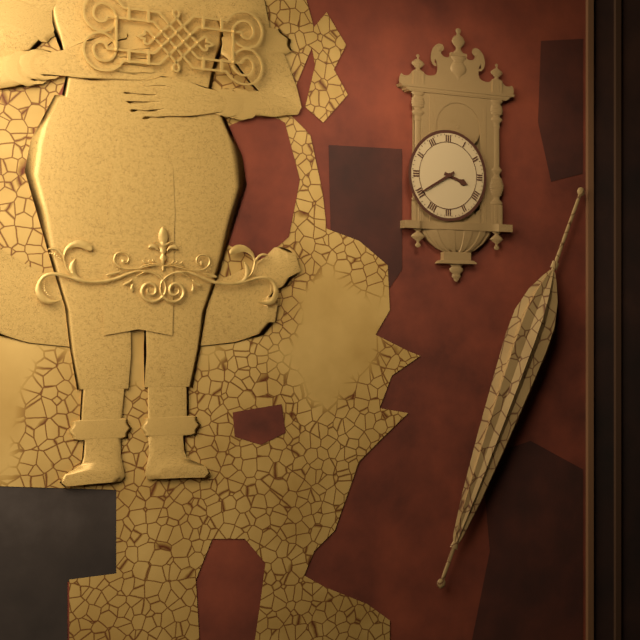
3,40
